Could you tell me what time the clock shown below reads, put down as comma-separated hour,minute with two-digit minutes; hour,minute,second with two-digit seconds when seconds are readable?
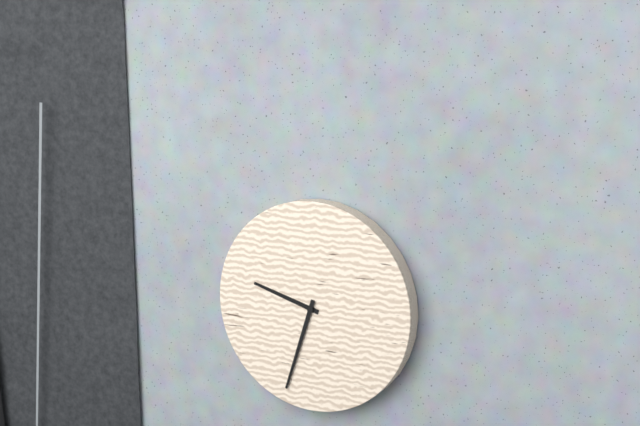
9,33
